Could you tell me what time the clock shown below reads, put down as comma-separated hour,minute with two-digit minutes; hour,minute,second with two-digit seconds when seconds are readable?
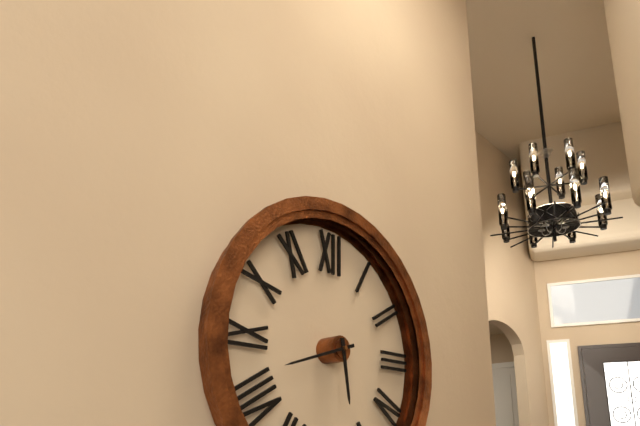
5,42
